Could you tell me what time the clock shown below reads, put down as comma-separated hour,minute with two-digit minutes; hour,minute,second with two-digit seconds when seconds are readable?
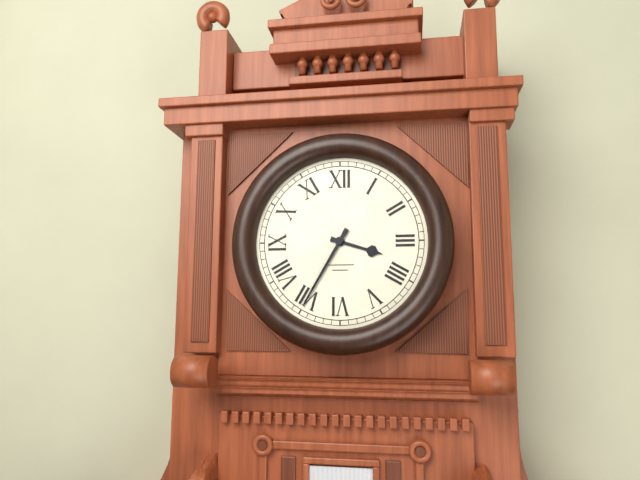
3,35
